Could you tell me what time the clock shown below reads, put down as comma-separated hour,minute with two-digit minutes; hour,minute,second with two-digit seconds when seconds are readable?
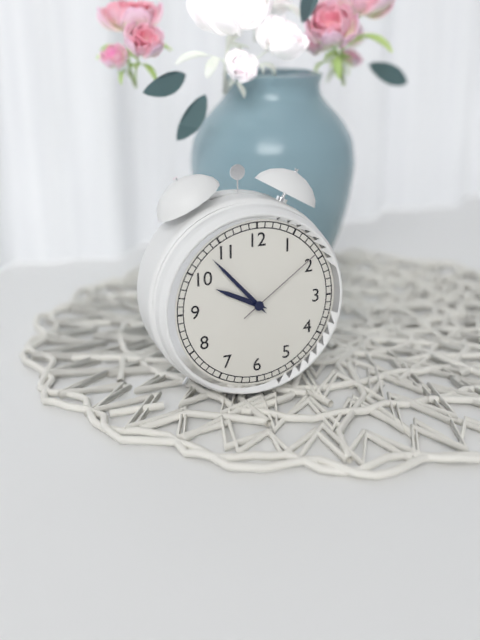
9,53,09
